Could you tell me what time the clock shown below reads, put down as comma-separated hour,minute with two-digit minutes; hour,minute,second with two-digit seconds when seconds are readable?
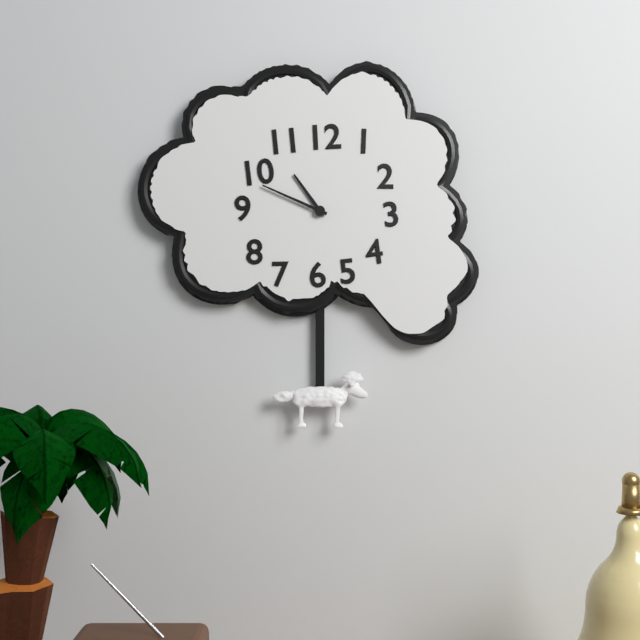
10,49
